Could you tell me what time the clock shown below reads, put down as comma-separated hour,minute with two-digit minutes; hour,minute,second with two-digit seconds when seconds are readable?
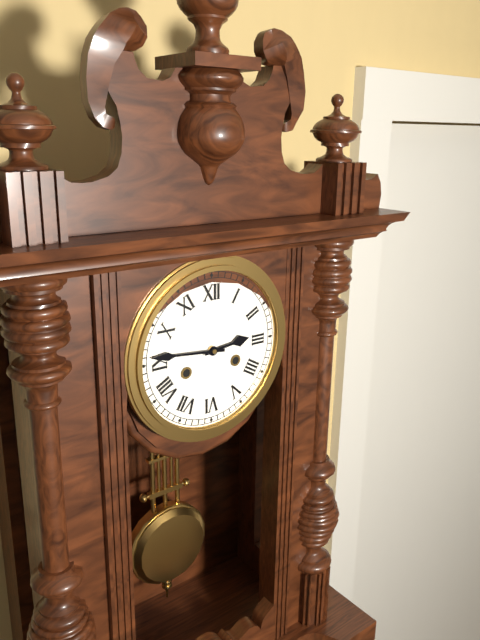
2,46
